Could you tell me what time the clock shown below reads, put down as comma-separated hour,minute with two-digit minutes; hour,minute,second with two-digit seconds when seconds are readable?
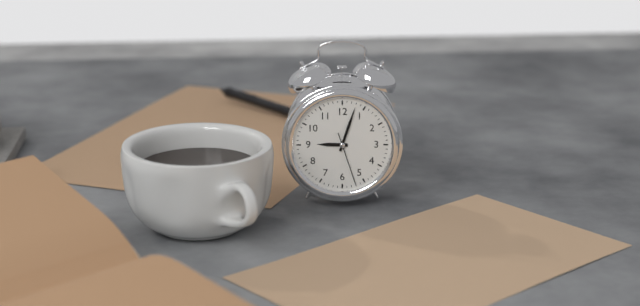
9,03,27
